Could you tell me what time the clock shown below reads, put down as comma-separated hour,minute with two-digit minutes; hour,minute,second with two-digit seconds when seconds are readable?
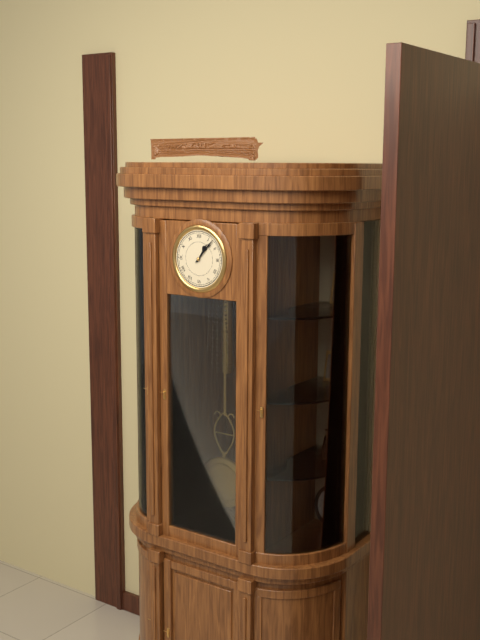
1,07
